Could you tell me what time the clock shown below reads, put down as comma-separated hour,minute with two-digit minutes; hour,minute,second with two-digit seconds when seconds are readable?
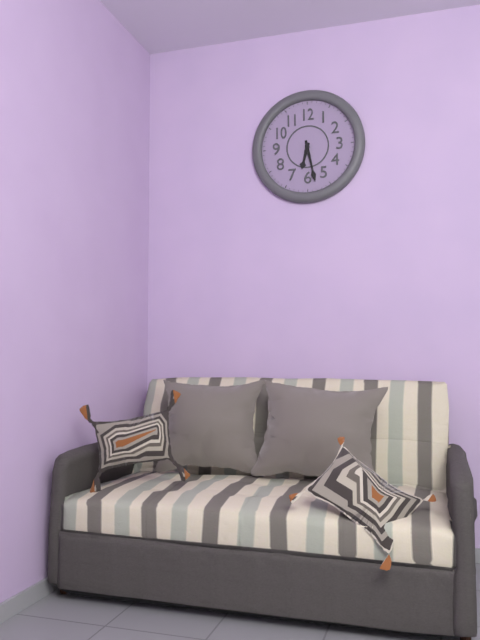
6,28
